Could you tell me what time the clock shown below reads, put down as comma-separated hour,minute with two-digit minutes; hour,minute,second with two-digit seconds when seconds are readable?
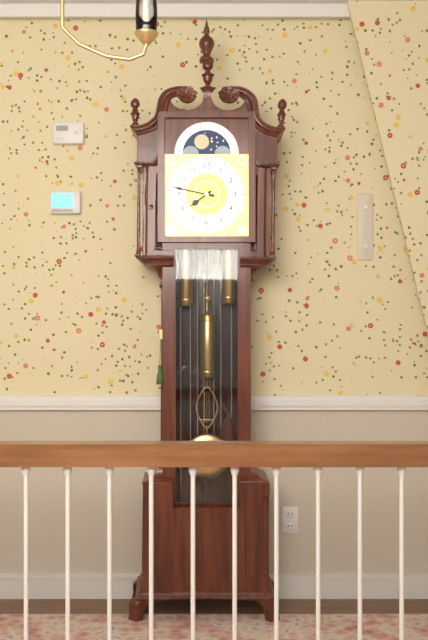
7,47
